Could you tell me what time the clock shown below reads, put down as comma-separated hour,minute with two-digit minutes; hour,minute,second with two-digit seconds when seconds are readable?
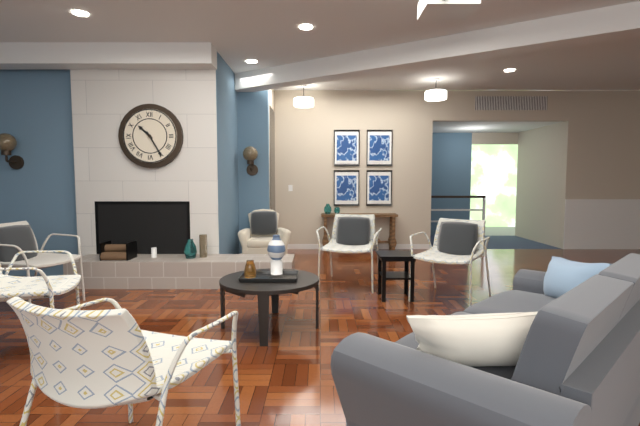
10,25
